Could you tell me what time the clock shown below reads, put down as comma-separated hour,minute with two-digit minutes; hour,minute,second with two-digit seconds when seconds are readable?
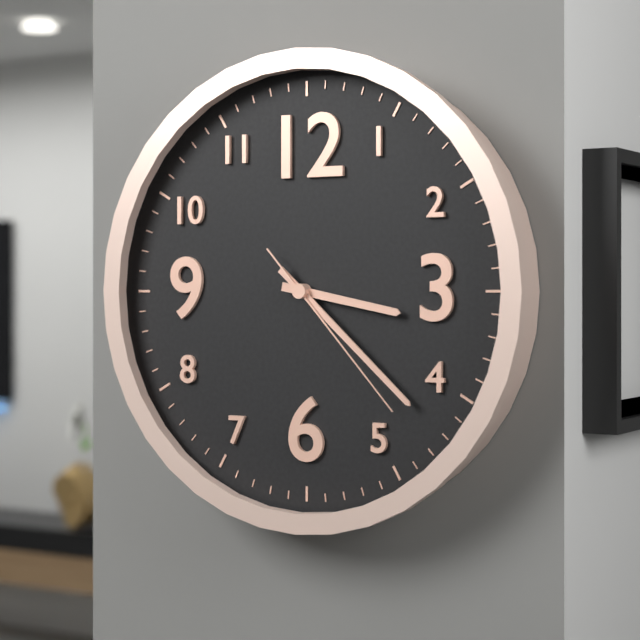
3,22,23
